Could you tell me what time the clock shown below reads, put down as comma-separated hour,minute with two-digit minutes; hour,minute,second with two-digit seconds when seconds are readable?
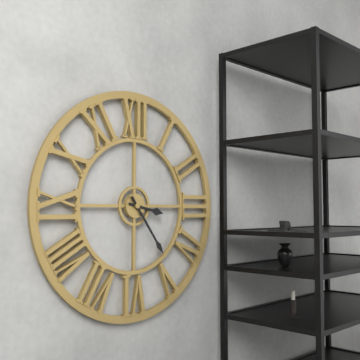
3,24
